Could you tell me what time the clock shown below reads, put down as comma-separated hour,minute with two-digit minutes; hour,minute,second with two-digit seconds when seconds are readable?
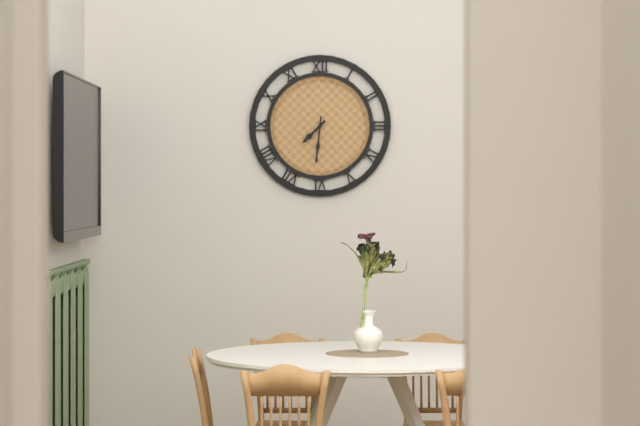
7,31
